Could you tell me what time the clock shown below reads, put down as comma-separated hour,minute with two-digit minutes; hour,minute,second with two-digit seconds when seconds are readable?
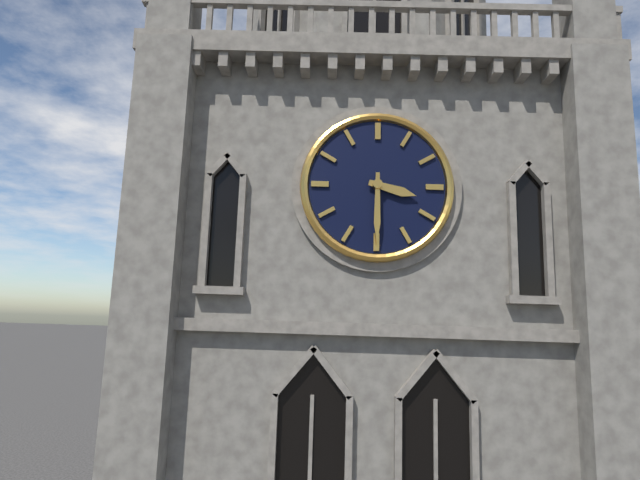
3,30
